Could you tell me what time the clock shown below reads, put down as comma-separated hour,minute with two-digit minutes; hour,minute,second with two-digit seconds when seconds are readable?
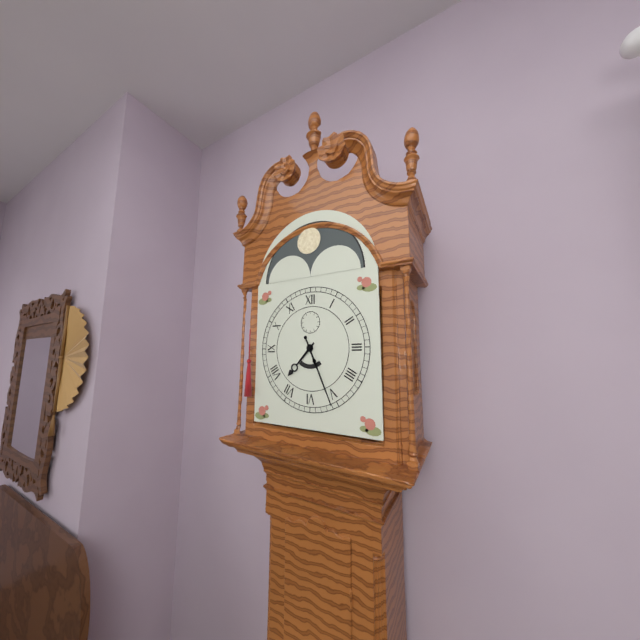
7,26
